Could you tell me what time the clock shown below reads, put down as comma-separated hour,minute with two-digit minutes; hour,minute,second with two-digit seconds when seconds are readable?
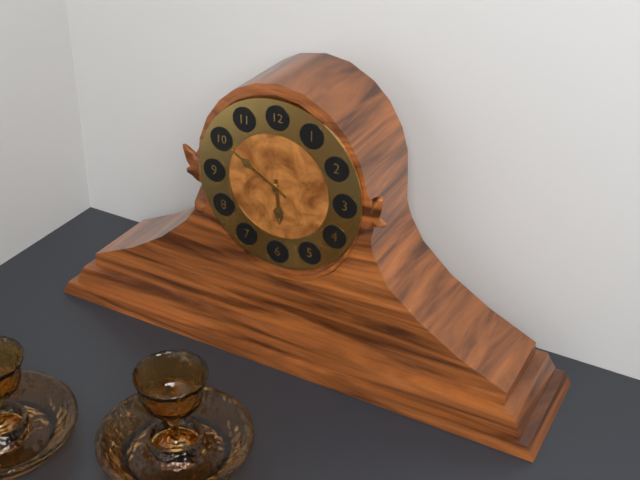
5,50
